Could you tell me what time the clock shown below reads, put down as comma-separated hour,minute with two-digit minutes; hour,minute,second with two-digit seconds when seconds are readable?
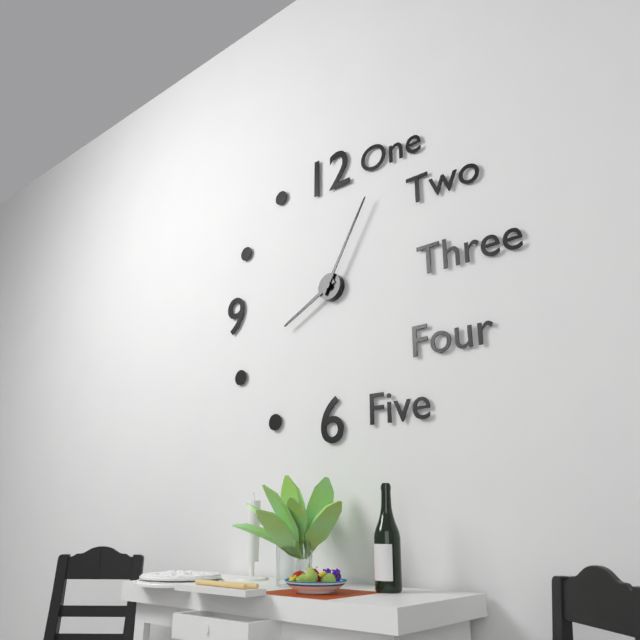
8,05
